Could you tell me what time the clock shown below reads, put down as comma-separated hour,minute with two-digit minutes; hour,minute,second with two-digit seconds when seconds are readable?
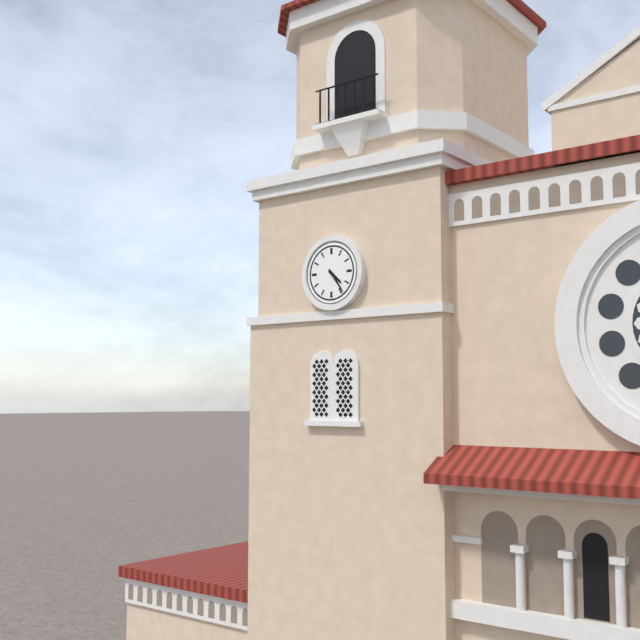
4,24
